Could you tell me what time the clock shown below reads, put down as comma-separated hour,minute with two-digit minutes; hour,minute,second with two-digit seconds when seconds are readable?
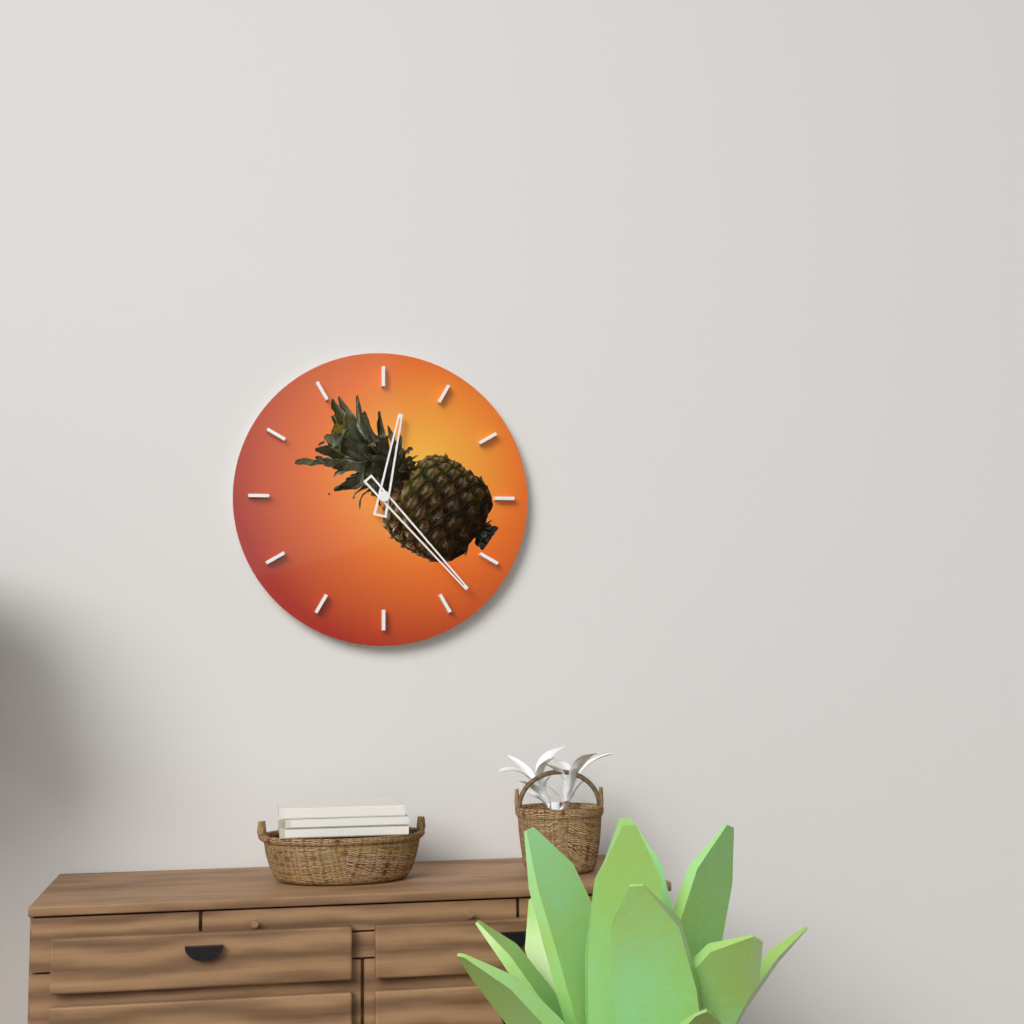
12,23
